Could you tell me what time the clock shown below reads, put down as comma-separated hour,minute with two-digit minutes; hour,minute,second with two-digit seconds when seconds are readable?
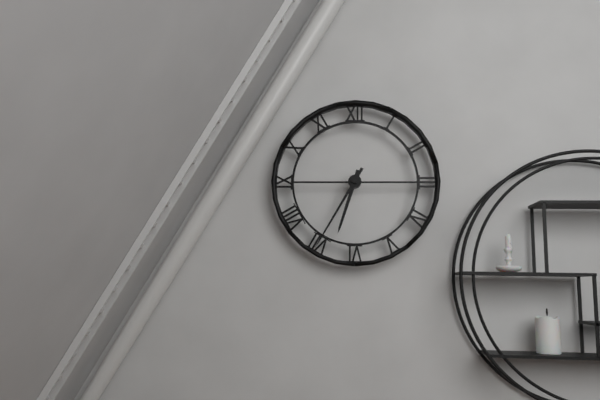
6,35
